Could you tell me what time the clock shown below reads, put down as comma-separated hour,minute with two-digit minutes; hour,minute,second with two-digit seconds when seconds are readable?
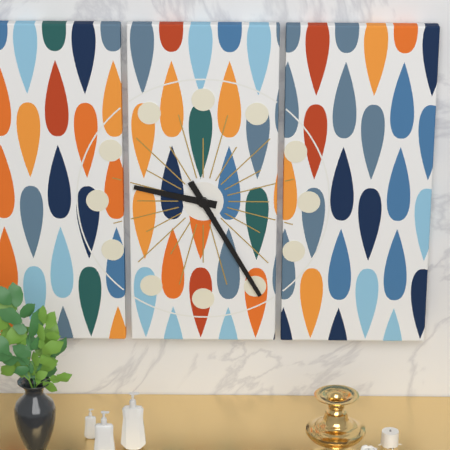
9,25
